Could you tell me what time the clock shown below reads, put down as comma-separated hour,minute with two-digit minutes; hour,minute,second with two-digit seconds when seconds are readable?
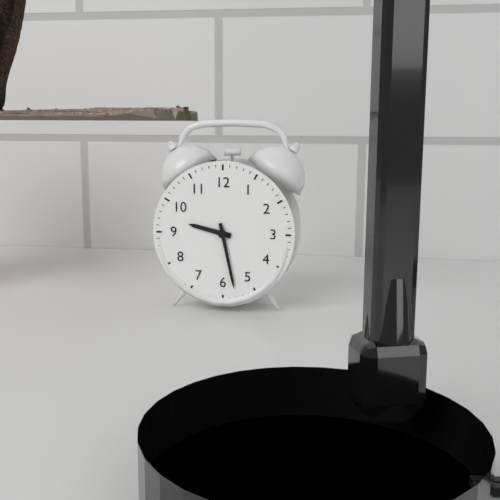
9,28
